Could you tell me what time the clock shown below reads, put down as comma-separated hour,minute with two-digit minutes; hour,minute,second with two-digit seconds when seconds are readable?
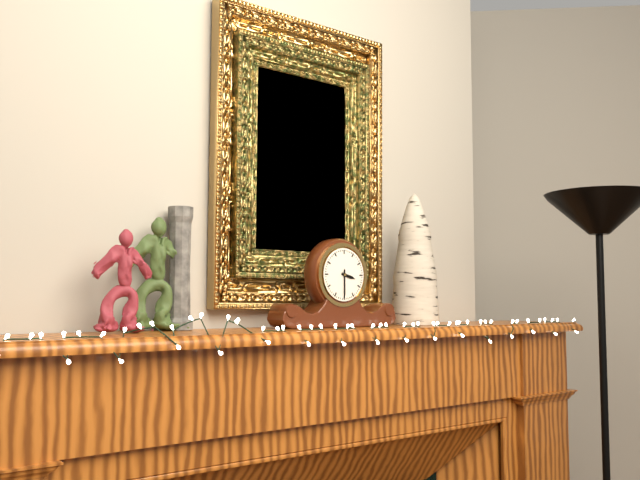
3,30
